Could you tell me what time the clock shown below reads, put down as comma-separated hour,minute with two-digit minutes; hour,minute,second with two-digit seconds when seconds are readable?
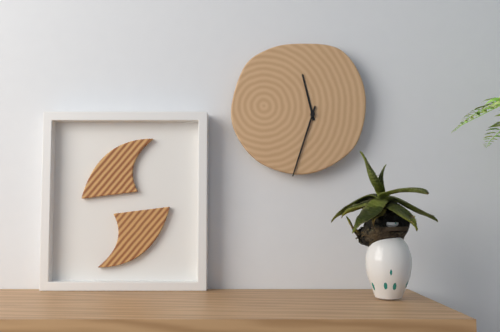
11,33
